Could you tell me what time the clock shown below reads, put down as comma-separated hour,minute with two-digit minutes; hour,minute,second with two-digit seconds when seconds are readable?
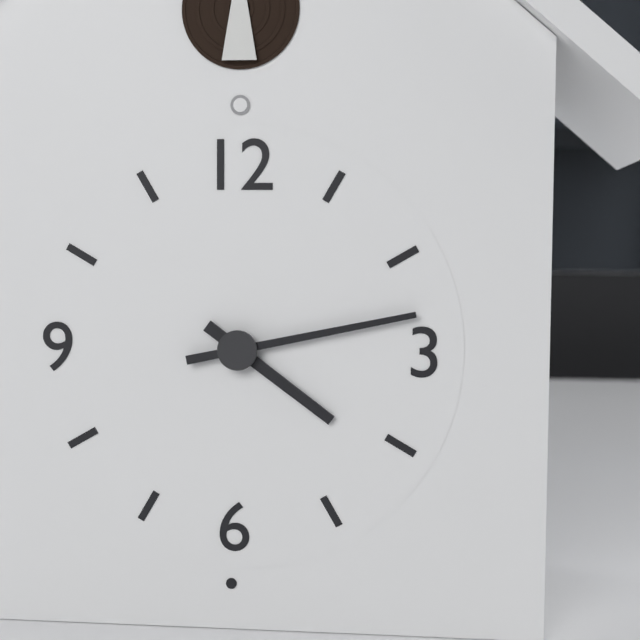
4,13
